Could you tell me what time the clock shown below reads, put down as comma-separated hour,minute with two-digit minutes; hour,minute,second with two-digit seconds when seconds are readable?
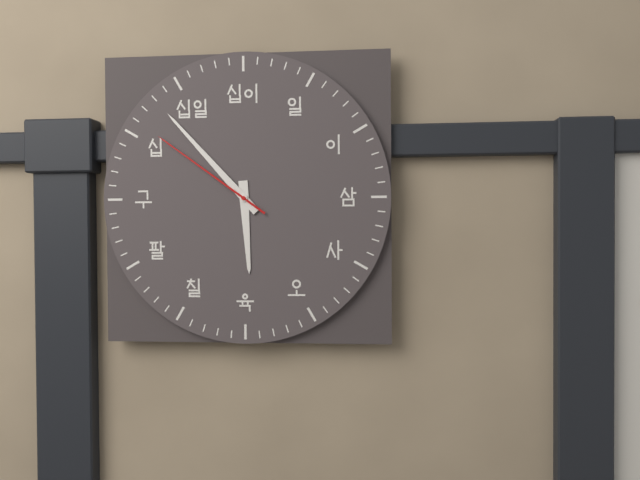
5,53,51
